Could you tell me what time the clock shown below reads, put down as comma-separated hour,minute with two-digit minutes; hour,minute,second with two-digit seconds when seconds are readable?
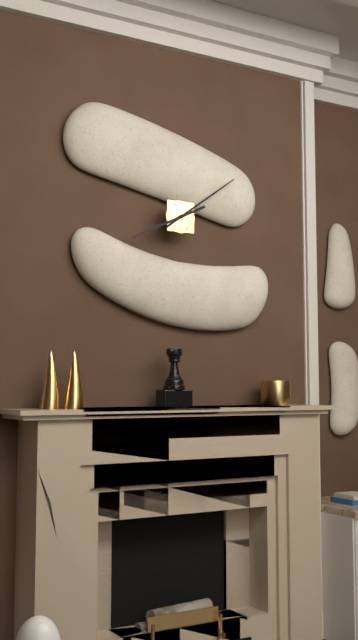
8,09
